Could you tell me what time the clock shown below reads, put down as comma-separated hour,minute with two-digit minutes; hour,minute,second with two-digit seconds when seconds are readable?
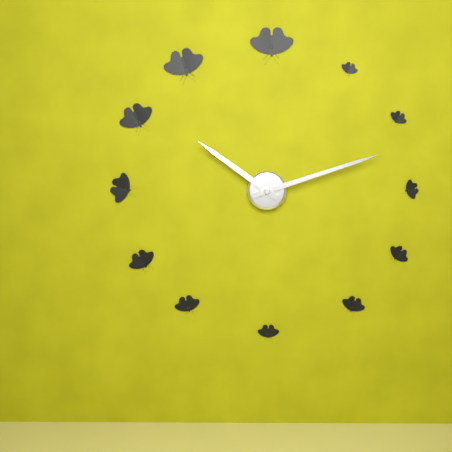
10,12
